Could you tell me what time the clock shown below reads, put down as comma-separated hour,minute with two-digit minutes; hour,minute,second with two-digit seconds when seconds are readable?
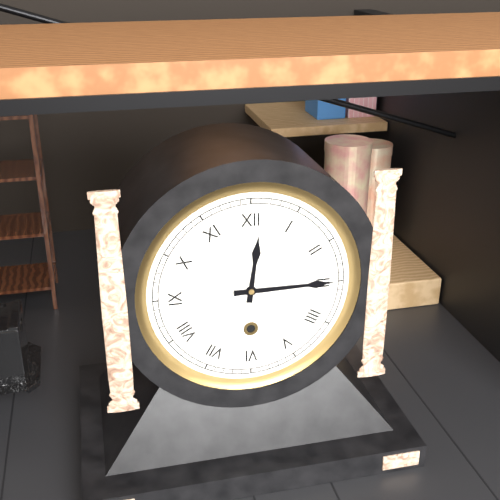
12,15
